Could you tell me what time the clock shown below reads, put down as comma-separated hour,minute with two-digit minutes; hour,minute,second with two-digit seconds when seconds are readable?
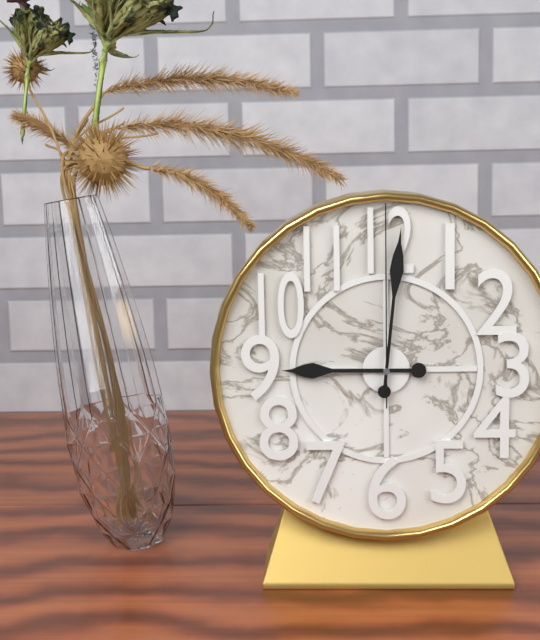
9,01,00
